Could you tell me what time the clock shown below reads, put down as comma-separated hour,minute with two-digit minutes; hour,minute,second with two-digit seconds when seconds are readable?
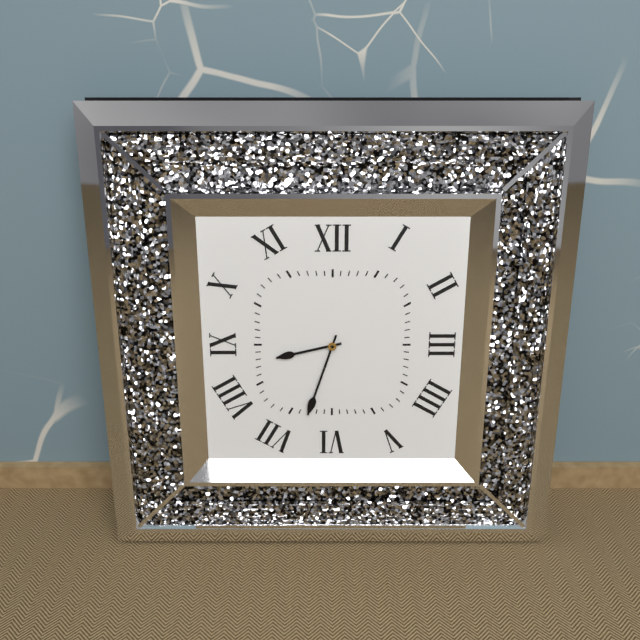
8,33
